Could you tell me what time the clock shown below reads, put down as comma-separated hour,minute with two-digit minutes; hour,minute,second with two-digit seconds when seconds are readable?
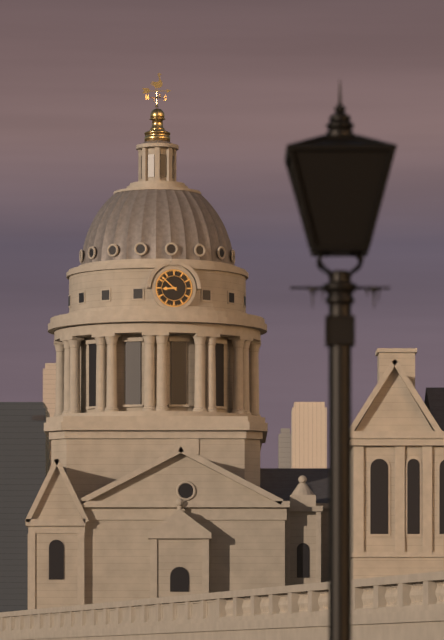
8,52
